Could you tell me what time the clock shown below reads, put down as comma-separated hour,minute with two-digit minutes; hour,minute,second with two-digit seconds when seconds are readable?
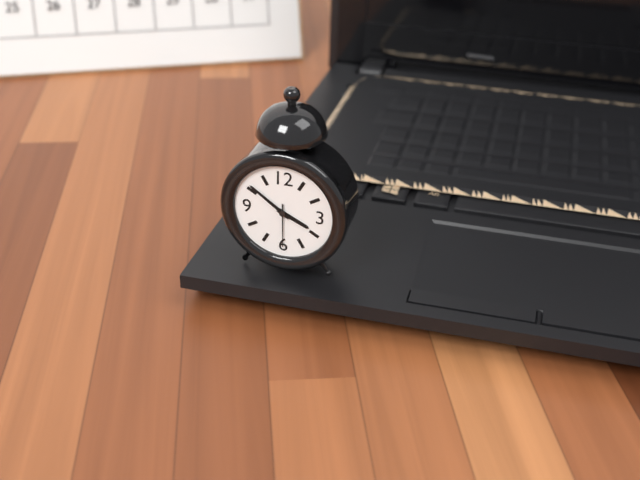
3,51
